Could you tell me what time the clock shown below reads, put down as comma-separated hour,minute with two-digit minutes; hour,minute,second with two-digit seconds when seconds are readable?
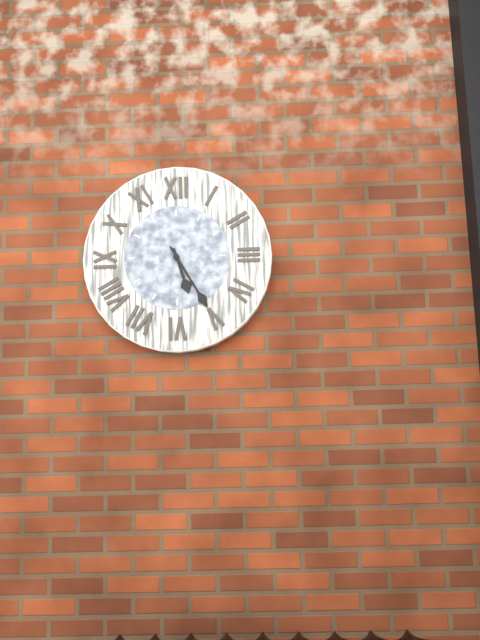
5,25
